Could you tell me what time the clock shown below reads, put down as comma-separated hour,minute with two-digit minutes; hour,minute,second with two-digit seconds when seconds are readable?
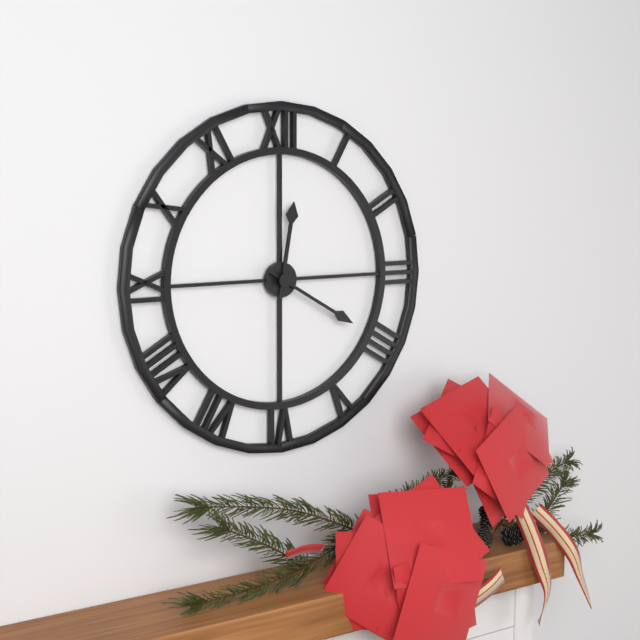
12,20
